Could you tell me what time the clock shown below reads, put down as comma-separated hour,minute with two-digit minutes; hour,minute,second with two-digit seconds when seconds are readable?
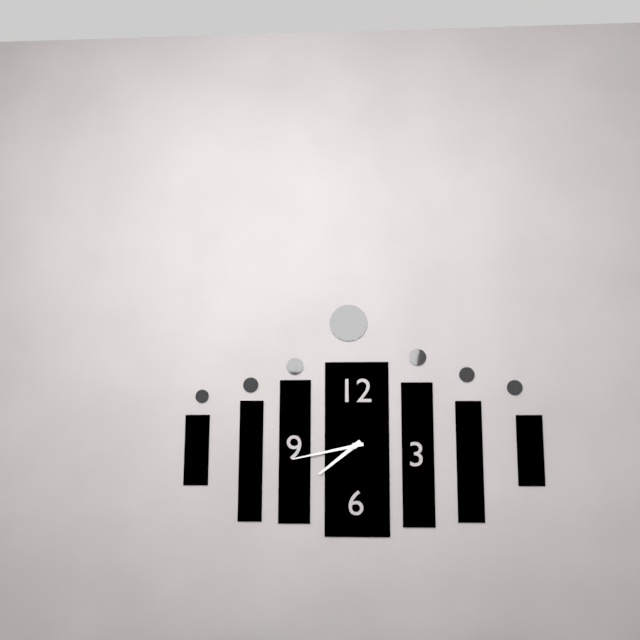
7,43
